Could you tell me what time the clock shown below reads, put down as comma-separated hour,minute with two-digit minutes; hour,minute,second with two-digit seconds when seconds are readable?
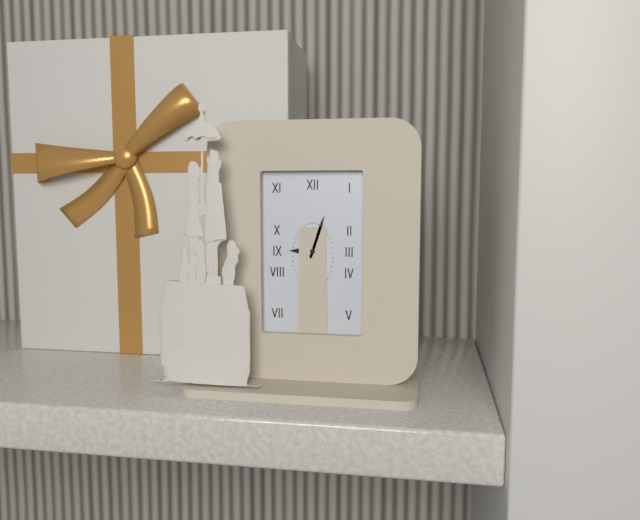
9,03
